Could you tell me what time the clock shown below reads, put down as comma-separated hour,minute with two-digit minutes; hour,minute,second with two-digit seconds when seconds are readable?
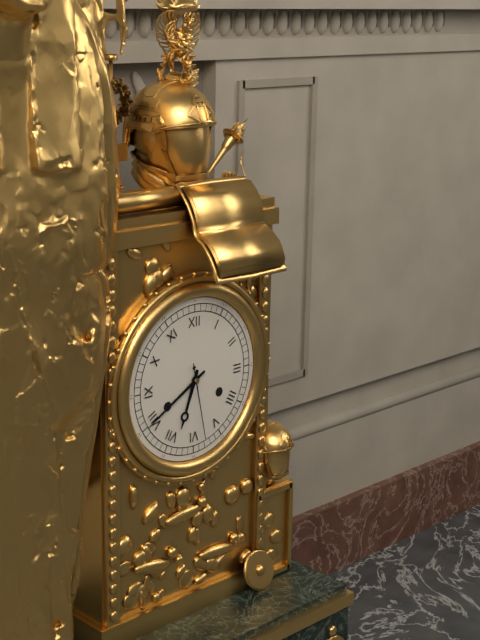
6,40,28
